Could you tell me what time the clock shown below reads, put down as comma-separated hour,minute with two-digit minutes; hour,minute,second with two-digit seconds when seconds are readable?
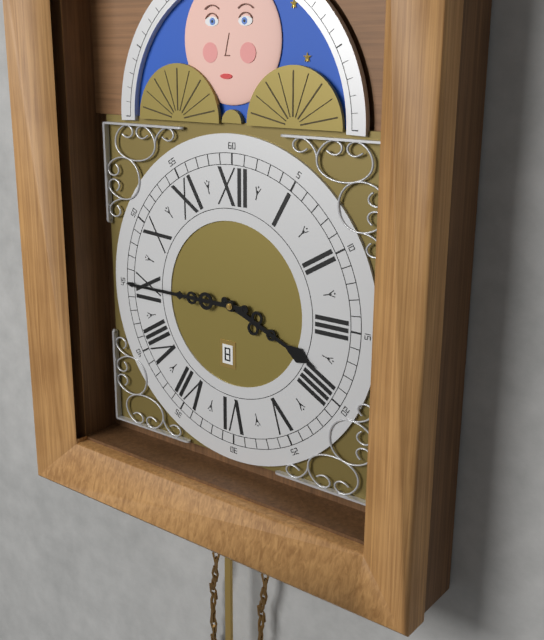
3,45
